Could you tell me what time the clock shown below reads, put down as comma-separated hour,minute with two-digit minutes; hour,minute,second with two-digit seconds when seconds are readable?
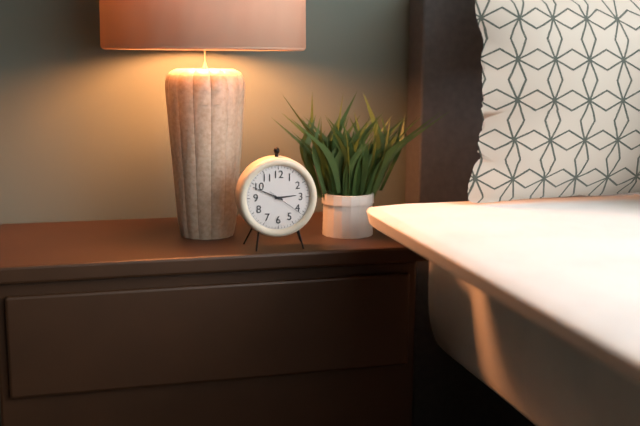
2,49
